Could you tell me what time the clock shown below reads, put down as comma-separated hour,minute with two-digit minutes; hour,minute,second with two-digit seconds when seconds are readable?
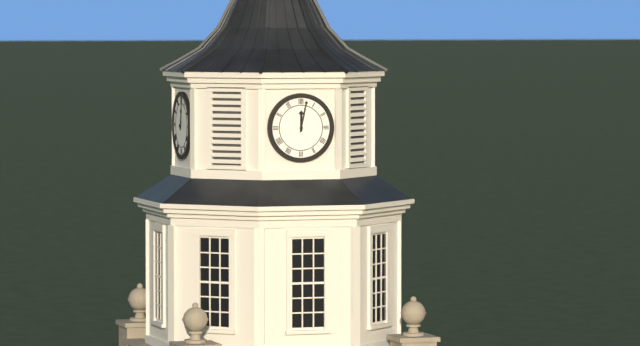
12,02
